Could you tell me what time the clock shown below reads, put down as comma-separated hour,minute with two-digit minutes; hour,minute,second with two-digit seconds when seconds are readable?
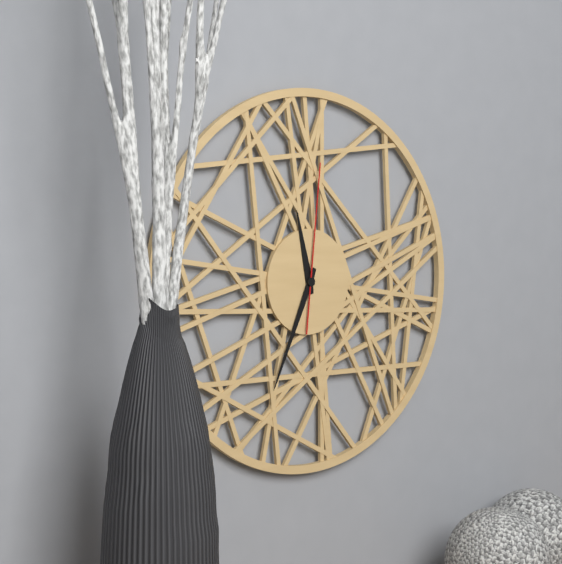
11,34,01
